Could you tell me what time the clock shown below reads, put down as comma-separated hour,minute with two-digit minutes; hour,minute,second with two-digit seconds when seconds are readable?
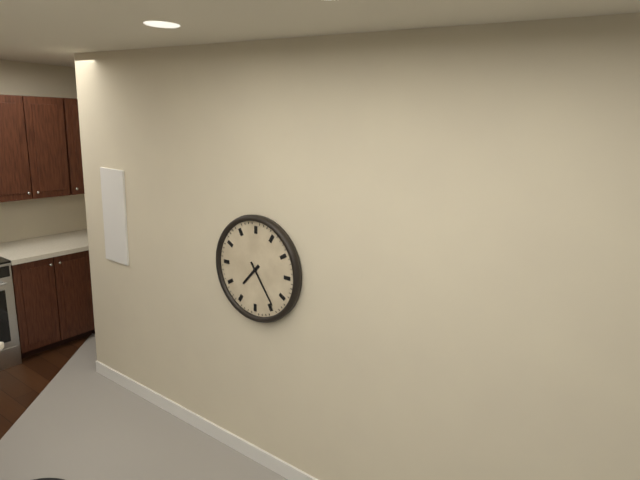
7,24
